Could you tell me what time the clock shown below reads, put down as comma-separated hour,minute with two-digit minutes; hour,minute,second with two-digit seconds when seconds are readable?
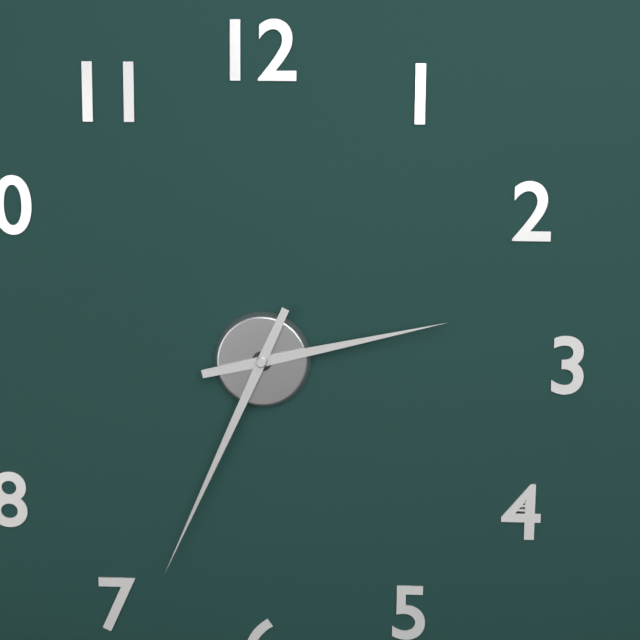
2,34
